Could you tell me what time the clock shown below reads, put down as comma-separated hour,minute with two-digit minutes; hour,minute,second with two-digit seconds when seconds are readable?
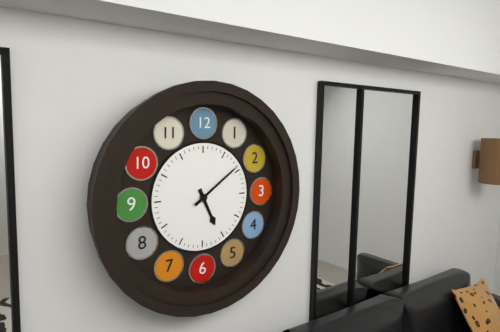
5,09
